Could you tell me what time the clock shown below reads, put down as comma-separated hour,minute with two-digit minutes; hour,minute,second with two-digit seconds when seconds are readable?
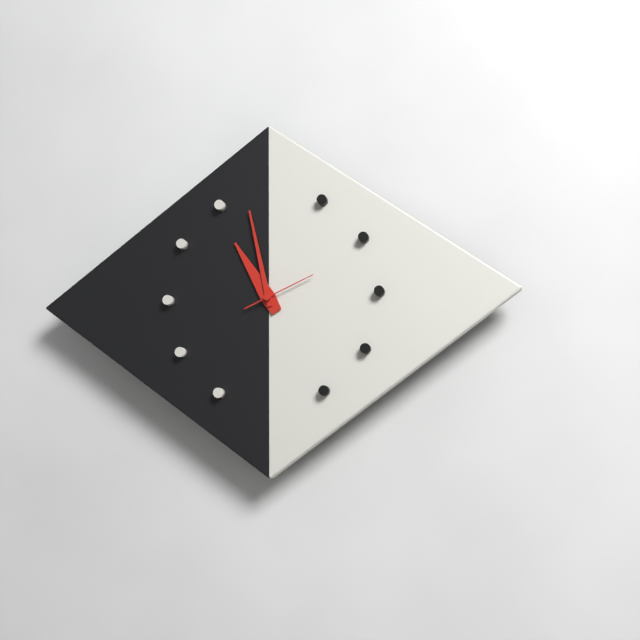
10,58,11
